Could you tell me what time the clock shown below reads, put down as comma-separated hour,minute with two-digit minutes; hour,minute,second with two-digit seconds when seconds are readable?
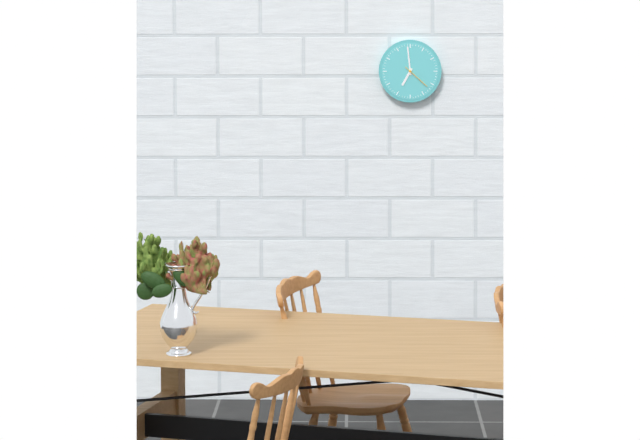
6,59
